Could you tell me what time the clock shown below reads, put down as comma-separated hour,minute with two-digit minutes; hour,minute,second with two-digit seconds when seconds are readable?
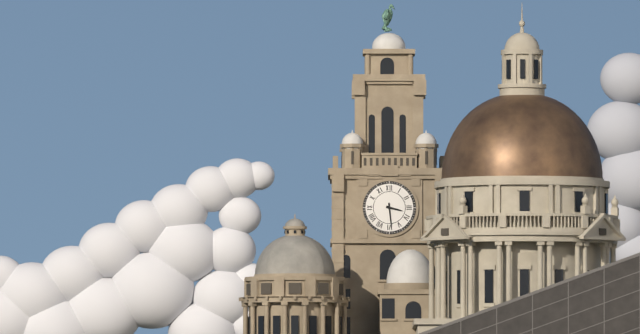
3,29
